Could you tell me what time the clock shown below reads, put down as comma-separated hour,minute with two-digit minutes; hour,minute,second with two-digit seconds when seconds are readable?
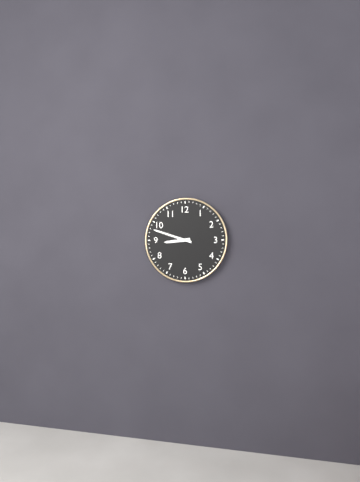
8,48
